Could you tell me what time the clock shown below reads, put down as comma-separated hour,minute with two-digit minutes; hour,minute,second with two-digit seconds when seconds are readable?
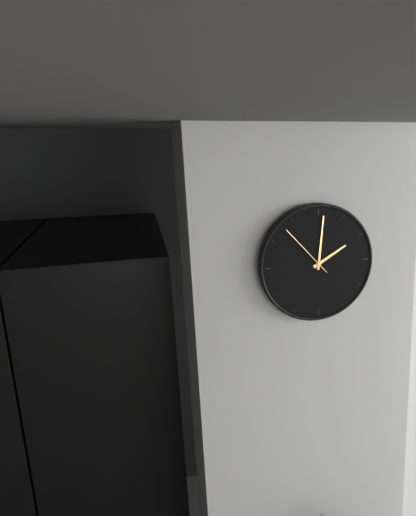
2,01,53
